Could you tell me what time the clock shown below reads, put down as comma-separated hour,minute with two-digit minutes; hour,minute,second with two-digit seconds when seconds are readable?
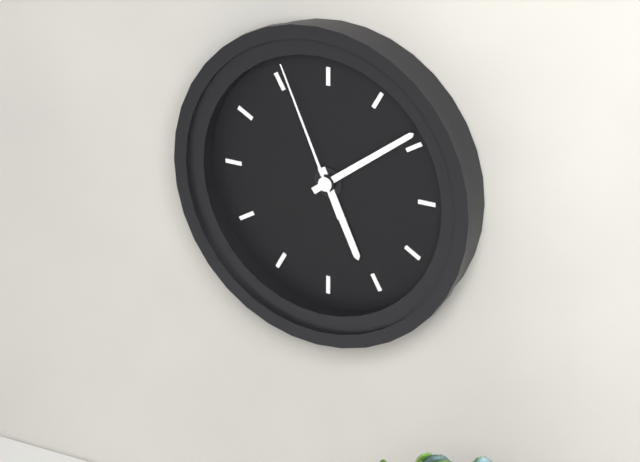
5,09,56
